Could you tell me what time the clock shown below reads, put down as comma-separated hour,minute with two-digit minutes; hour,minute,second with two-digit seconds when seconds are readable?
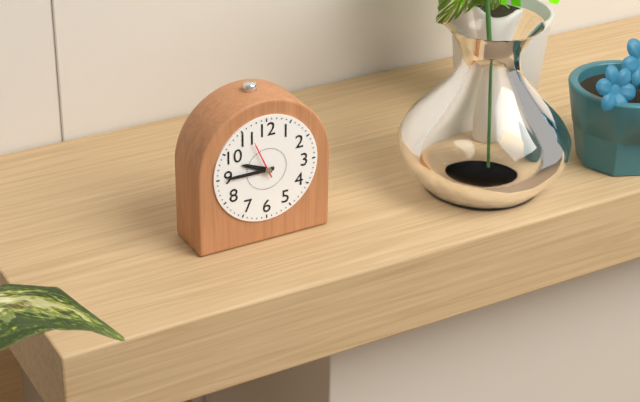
9,45
